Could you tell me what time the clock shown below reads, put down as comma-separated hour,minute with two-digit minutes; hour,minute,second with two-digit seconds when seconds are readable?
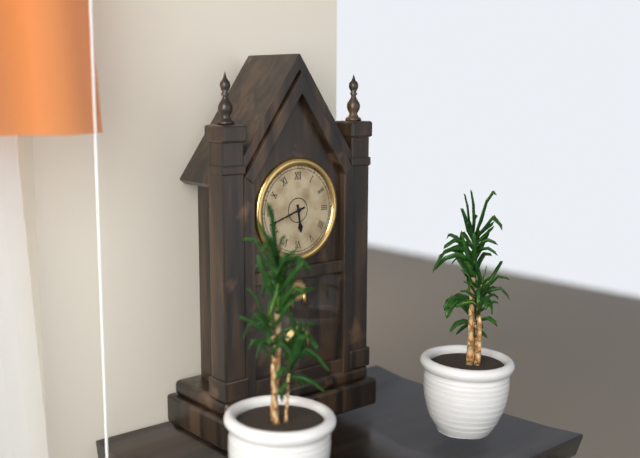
5,42
